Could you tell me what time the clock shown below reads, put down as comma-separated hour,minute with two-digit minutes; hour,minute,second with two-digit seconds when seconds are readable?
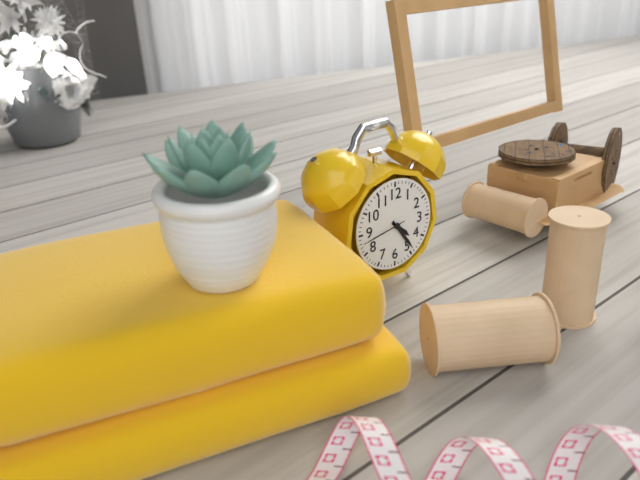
4,24
